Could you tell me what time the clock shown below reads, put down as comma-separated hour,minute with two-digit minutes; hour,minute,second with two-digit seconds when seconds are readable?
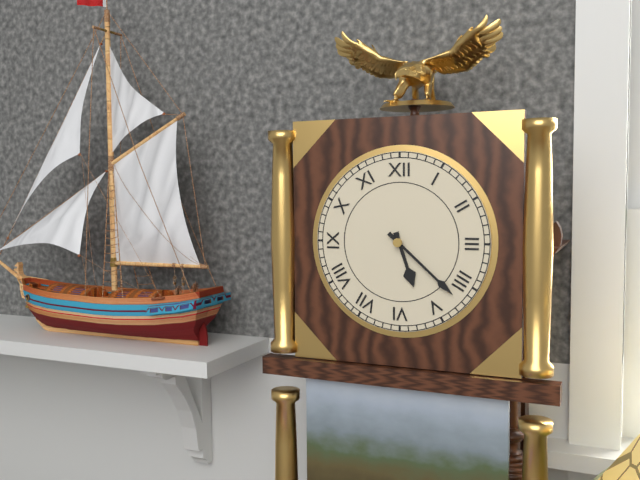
5,22
